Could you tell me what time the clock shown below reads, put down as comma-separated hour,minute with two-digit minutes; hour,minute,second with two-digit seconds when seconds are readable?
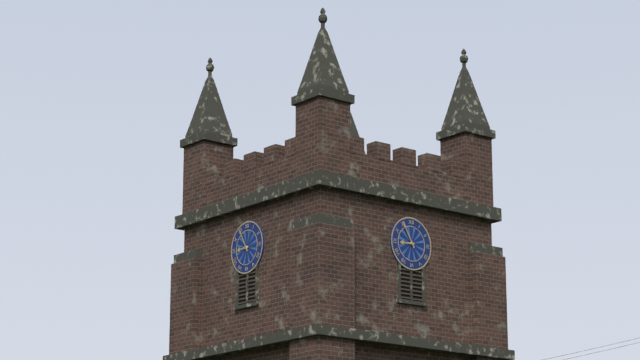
8,55
